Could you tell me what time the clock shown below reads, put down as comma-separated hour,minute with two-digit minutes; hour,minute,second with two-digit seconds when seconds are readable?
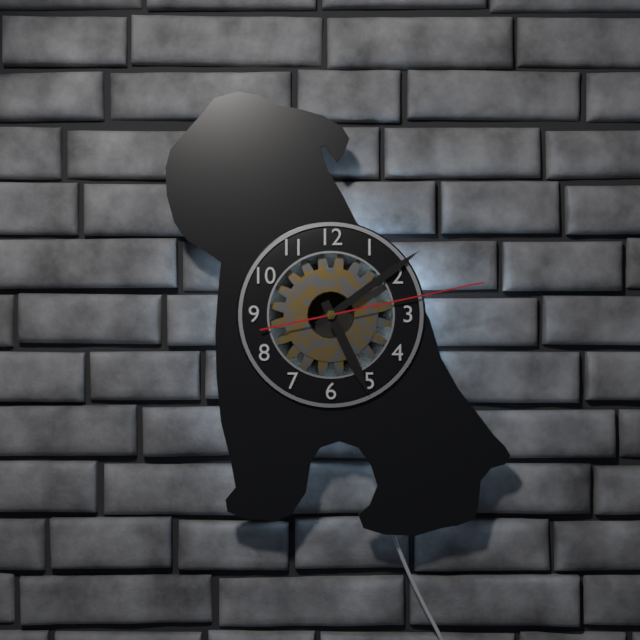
5,09,13
